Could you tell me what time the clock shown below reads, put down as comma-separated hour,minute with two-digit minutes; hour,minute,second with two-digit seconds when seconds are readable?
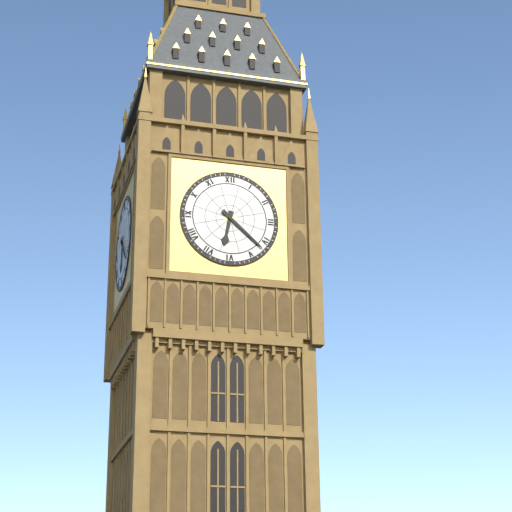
6,22
